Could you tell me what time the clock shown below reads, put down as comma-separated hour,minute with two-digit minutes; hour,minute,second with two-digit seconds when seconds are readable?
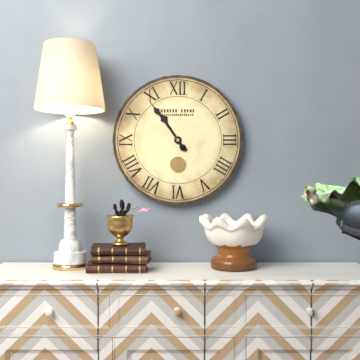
10,54
